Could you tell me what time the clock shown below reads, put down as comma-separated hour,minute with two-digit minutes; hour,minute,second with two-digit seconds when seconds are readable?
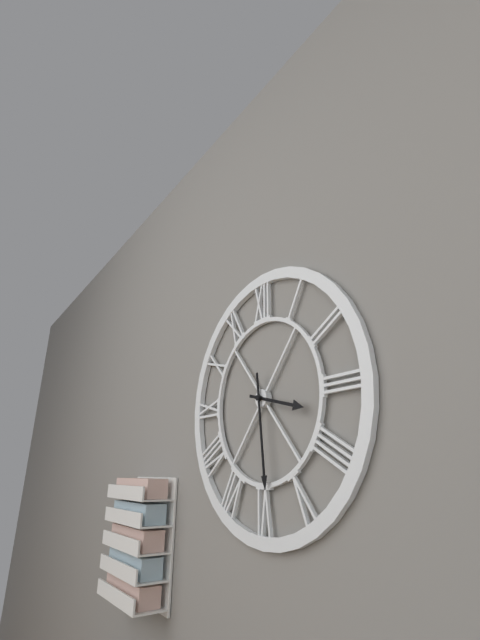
3,29
